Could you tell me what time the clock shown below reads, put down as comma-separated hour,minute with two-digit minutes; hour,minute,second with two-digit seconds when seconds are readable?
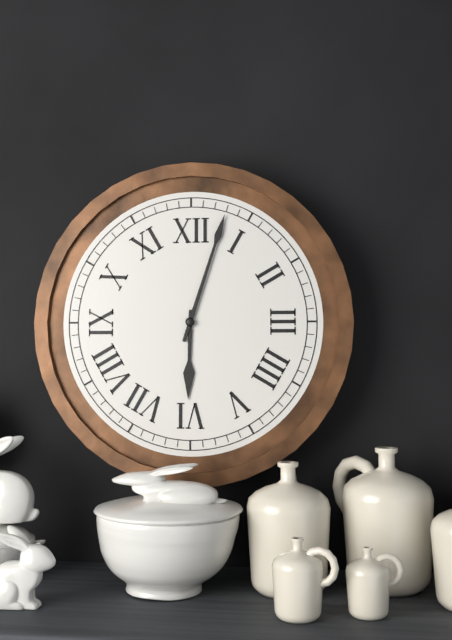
6,03
